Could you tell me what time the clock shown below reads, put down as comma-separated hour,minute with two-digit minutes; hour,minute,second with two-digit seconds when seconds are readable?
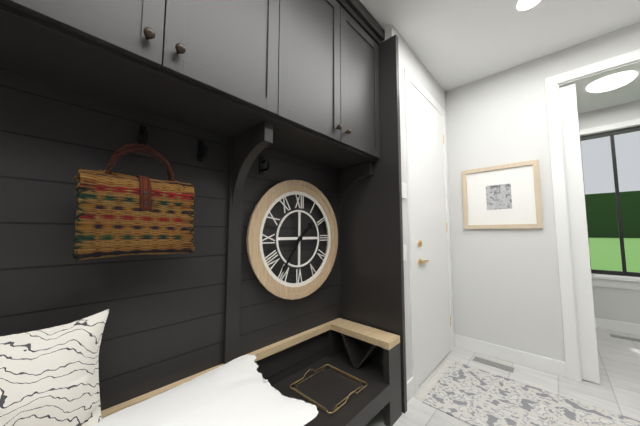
1,36
